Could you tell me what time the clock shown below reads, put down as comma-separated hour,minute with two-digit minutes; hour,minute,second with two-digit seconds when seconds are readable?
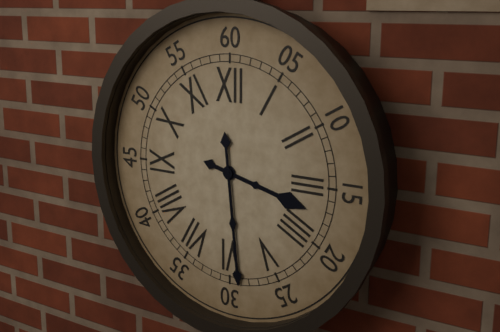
3,29
